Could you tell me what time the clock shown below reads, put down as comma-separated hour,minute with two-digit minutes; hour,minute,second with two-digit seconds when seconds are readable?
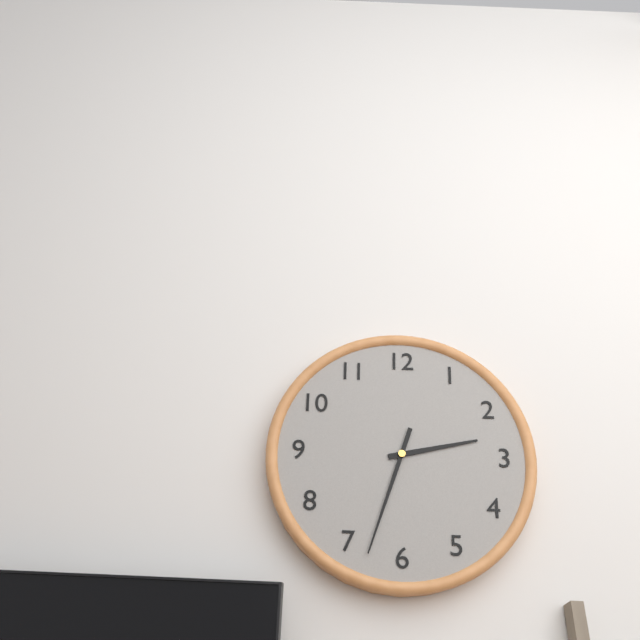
2,33
